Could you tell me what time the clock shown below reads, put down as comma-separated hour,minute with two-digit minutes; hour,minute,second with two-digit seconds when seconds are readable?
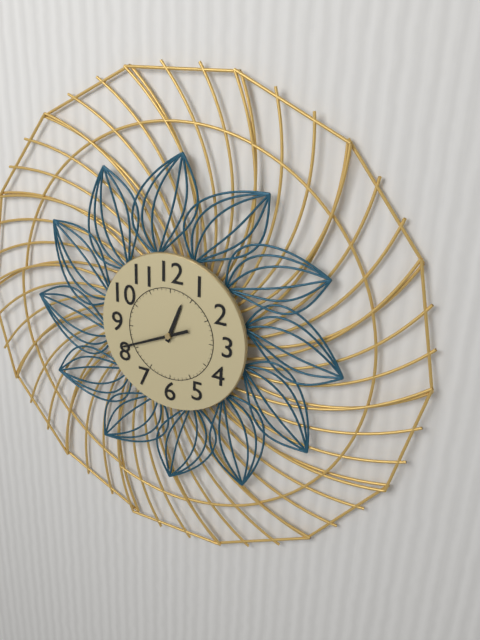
12,41
